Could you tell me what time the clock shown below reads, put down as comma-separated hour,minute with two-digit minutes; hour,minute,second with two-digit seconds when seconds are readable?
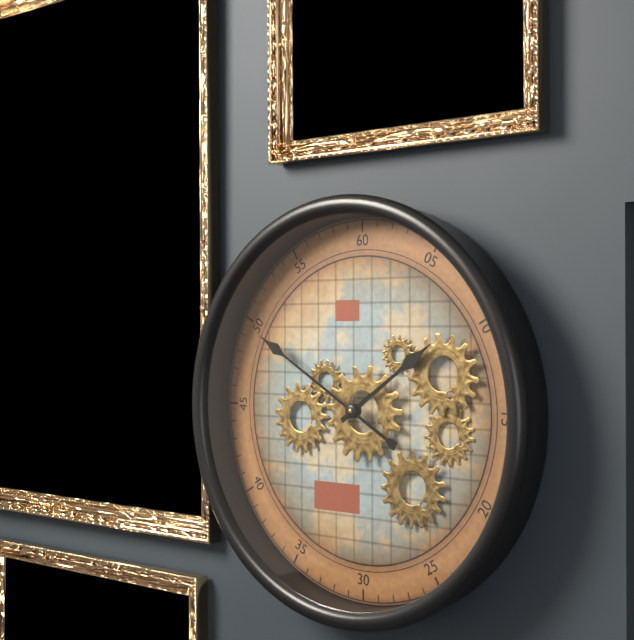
1,50
